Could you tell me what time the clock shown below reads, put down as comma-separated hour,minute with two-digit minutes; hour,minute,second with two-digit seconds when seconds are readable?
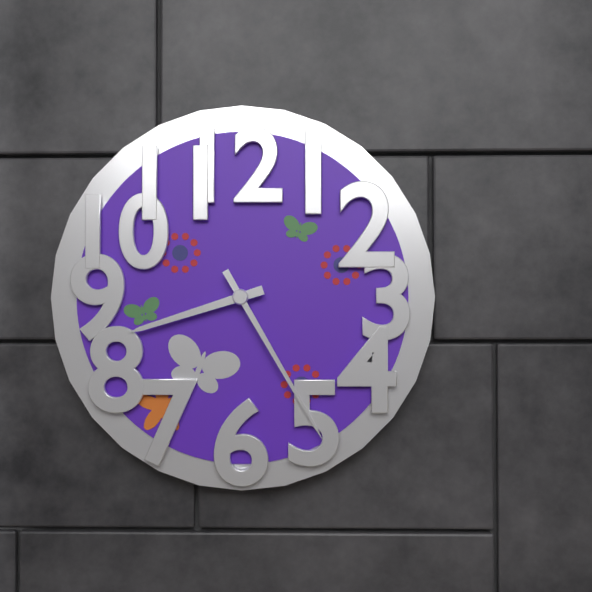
8,25
